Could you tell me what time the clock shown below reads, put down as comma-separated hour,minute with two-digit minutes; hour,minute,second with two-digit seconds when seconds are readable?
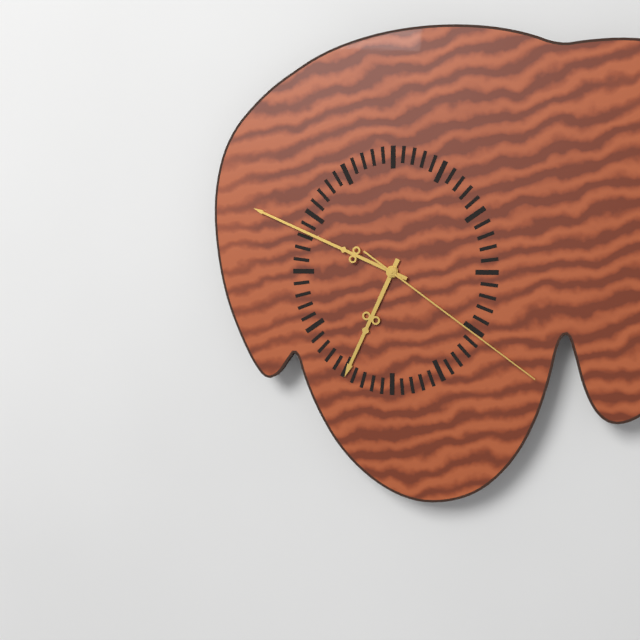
6,49,21
